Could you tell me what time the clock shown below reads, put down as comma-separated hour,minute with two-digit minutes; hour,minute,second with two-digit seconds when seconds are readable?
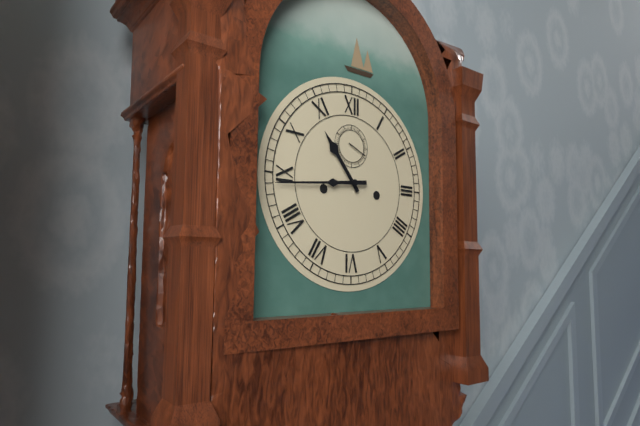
10,44
